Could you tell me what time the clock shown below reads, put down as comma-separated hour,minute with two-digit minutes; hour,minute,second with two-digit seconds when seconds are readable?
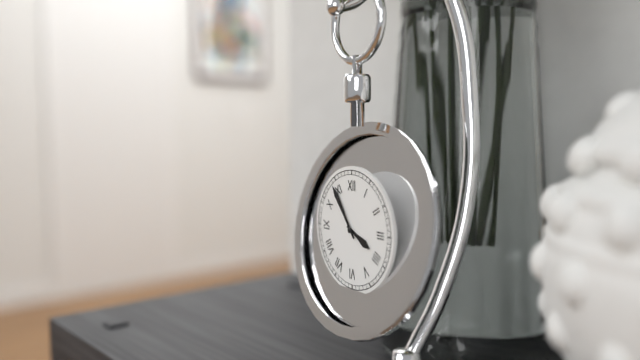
3,54
